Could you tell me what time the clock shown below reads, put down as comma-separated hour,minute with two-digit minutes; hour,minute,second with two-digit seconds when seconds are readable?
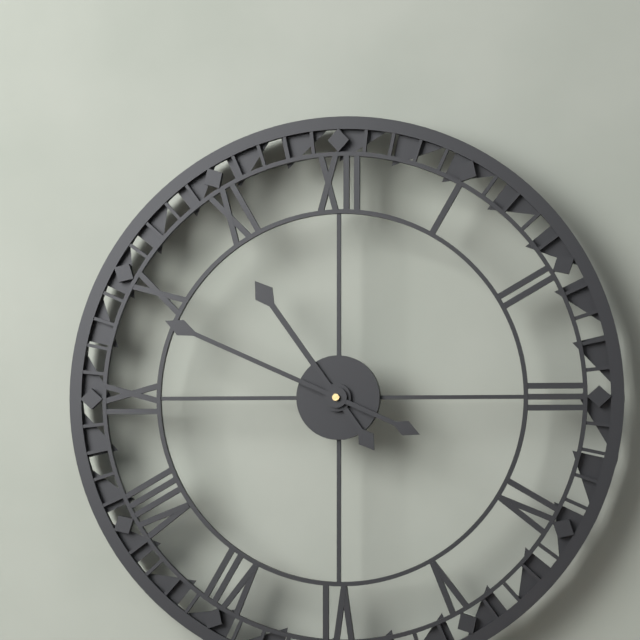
10,49
